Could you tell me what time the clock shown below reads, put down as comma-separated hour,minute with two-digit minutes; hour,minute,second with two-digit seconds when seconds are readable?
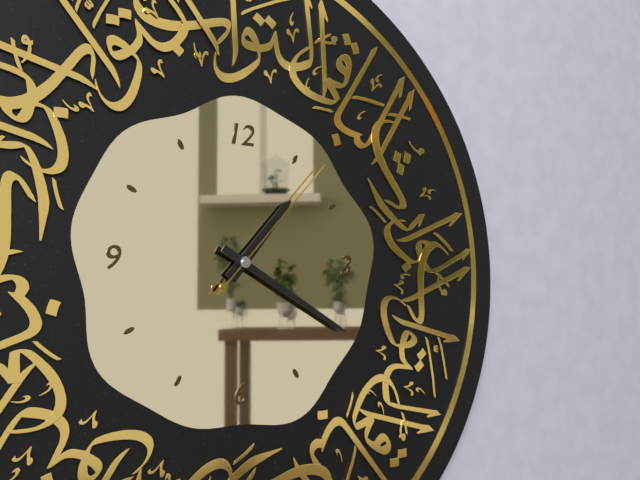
1,20,07
